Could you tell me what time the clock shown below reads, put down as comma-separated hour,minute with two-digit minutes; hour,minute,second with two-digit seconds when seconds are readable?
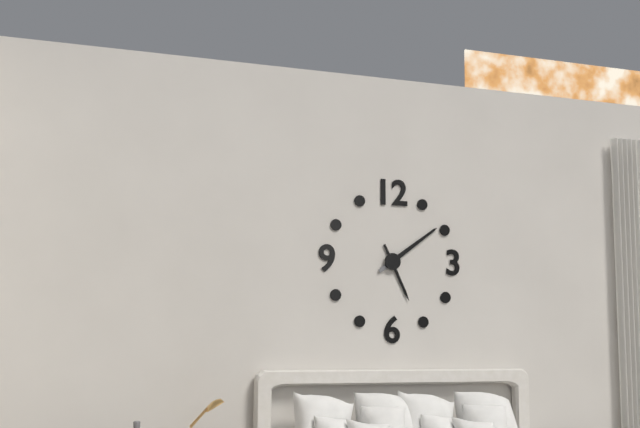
5,09
